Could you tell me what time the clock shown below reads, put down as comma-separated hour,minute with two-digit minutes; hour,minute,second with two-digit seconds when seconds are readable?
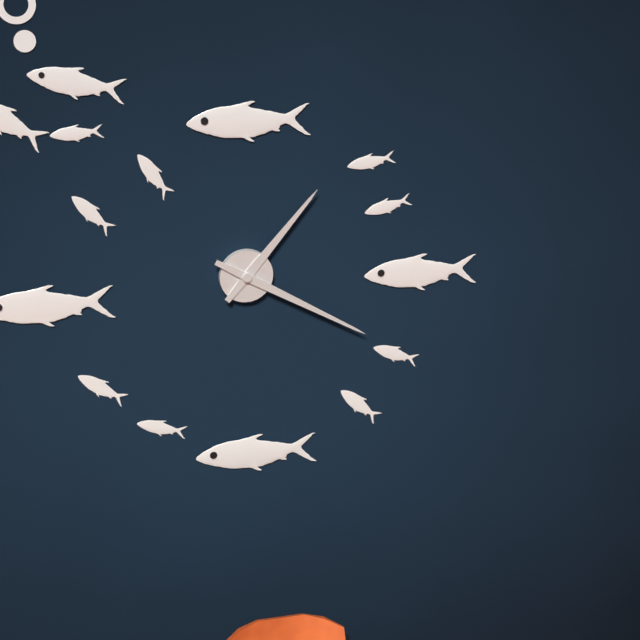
1,20
